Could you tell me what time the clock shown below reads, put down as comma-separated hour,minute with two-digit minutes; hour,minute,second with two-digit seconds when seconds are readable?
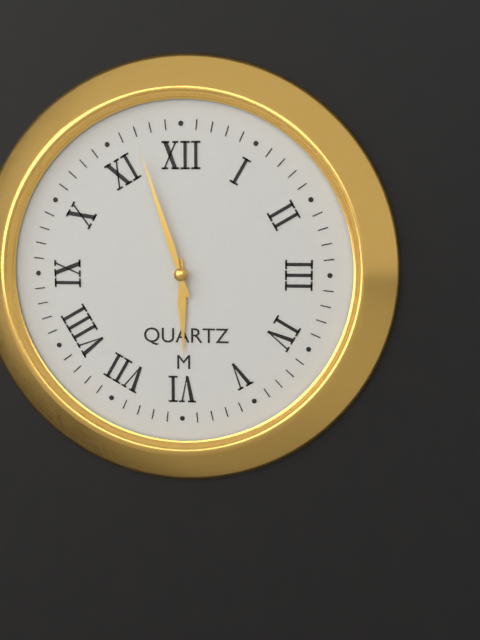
5,57
